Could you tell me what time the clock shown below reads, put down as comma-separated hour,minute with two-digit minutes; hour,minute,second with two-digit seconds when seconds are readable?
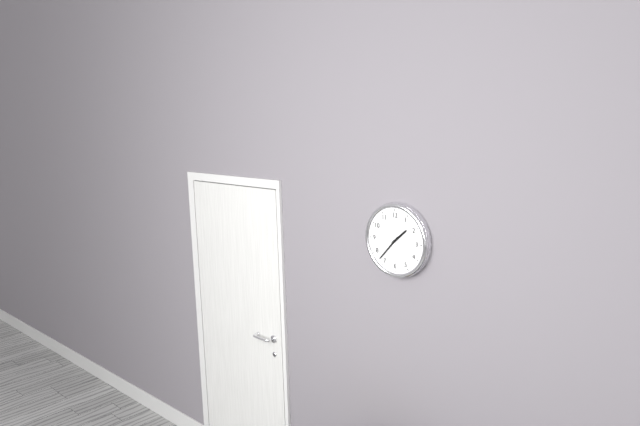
1,37
